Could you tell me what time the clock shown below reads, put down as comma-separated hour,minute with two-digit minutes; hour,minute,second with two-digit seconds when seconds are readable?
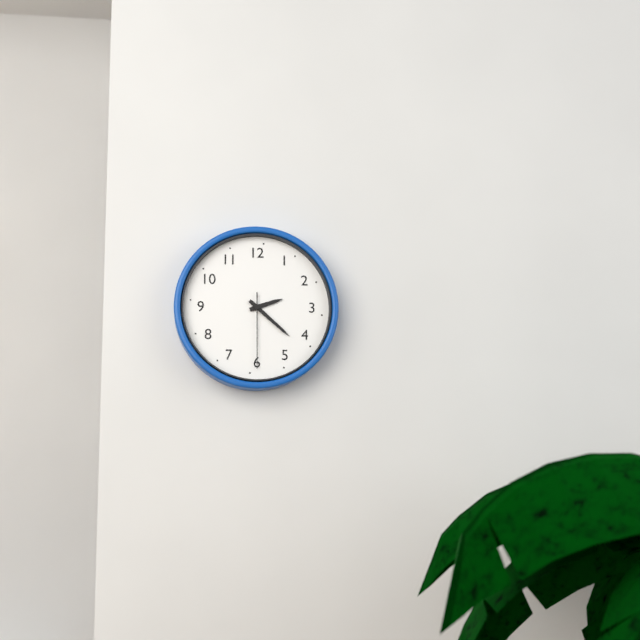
2,22,30
